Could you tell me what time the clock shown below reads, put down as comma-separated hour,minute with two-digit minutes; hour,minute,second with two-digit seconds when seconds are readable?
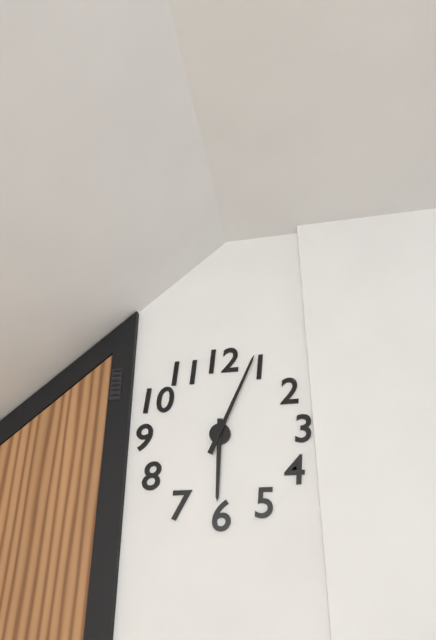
6,04
